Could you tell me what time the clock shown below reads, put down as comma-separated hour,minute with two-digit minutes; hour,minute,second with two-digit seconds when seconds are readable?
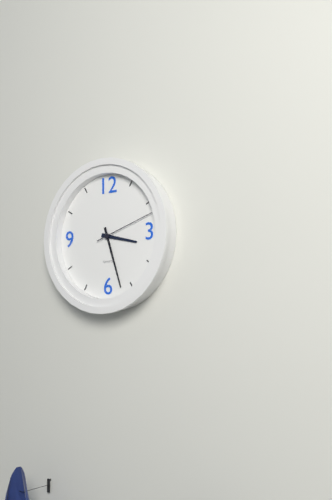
3,27,12
